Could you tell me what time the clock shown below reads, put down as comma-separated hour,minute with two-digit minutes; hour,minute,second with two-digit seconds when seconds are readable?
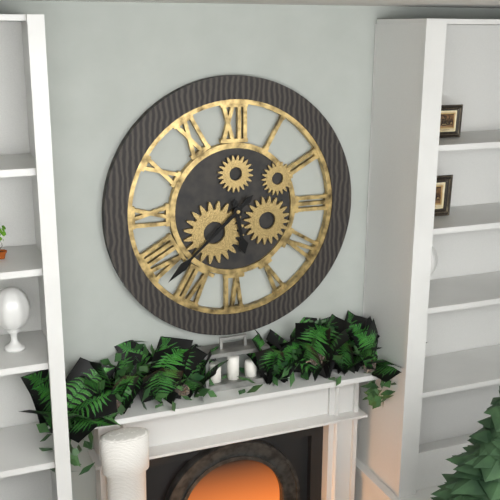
5,38
